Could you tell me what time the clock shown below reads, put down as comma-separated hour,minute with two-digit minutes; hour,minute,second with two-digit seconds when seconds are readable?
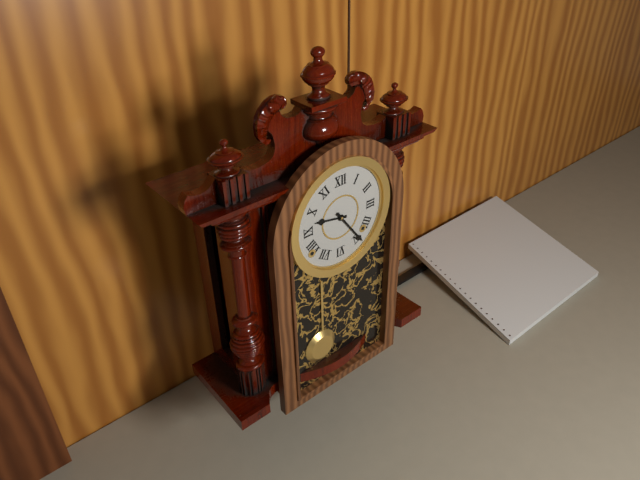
9,24
